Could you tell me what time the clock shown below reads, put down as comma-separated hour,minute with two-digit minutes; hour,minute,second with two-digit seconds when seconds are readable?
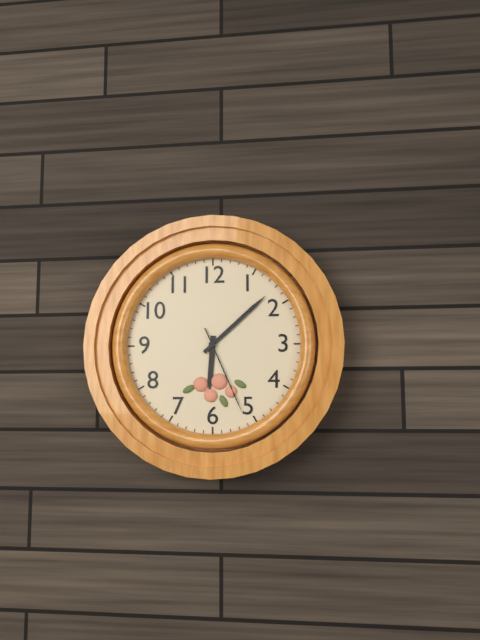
6,08,26
